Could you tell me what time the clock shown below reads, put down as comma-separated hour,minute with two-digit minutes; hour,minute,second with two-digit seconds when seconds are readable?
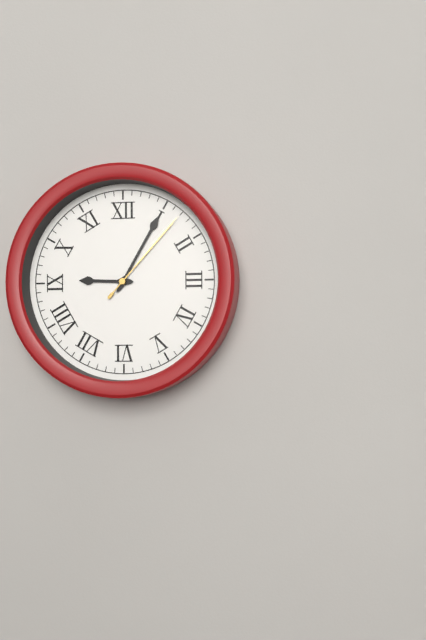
9,05,07
